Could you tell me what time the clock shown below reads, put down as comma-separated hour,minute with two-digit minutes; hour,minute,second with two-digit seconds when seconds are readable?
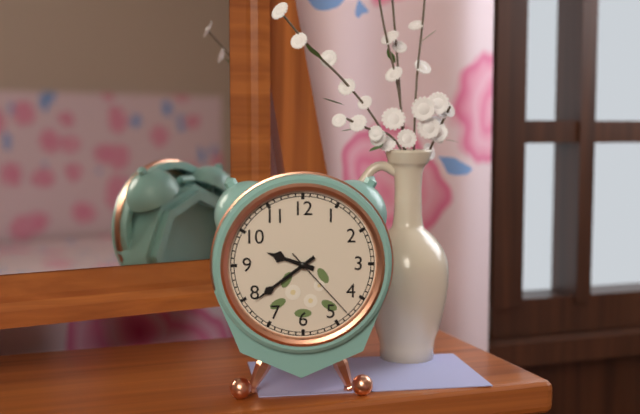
9,39,23
